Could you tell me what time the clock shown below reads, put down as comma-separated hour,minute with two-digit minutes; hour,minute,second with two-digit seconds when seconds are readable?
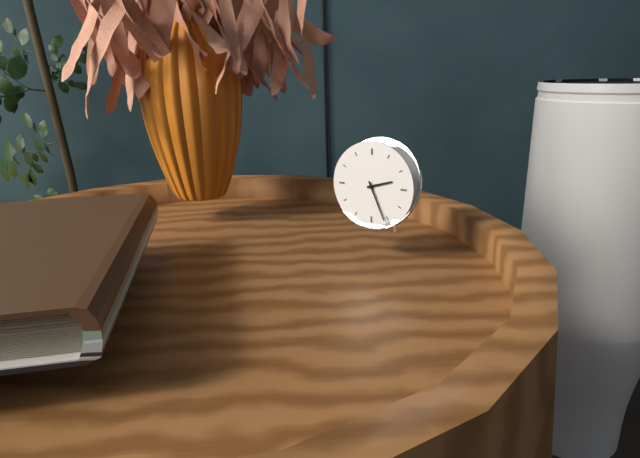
2,26
